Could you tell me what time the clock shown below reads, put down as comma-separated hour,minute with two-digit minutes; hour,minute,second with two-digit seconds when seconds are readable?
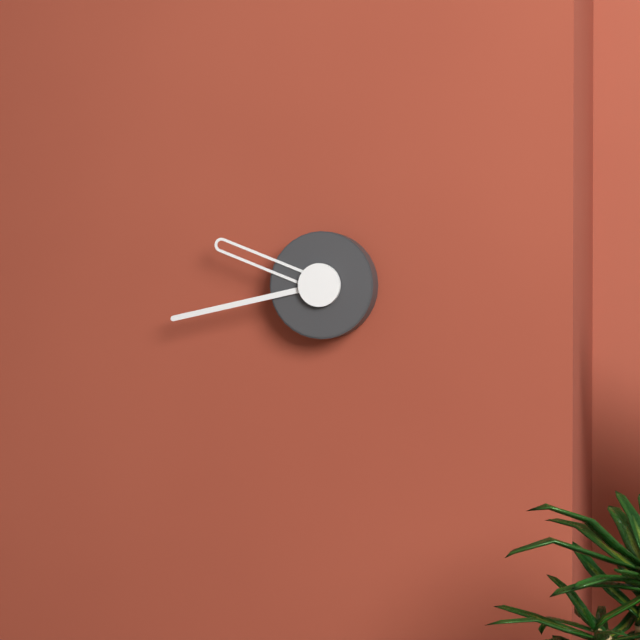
9,43
